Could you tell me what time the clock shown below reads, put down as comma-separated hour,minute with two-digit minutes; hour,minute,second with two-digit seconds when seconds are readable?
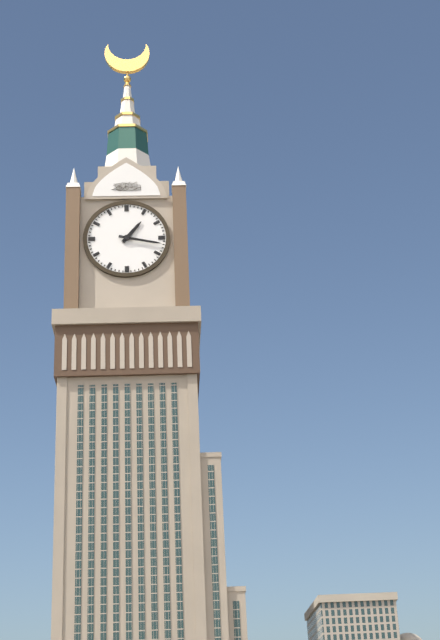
1,17
